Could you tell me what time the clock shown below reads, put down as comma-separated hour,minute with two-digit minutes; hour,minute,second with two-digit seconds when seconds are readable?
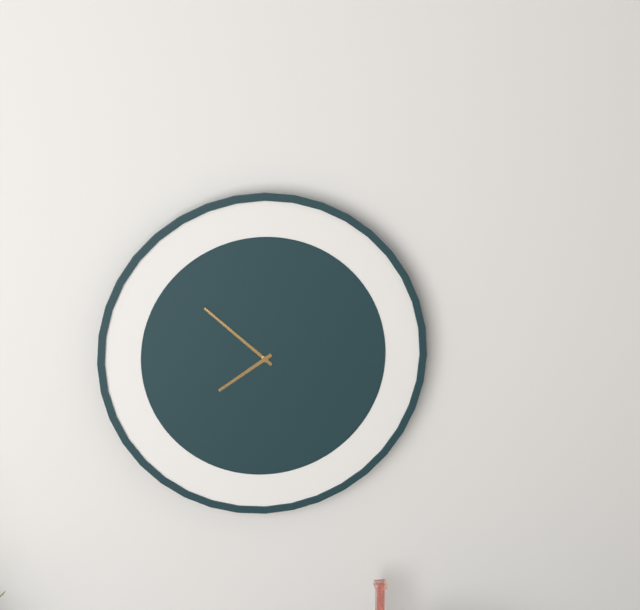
7,52
